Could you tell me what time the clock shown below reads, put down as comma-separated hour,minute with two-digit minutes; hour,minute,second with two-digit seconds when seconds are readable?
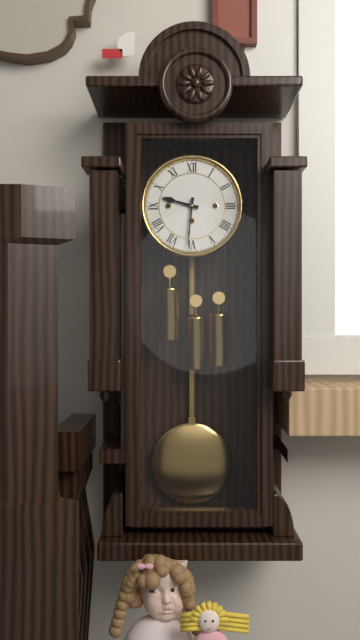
9,31
